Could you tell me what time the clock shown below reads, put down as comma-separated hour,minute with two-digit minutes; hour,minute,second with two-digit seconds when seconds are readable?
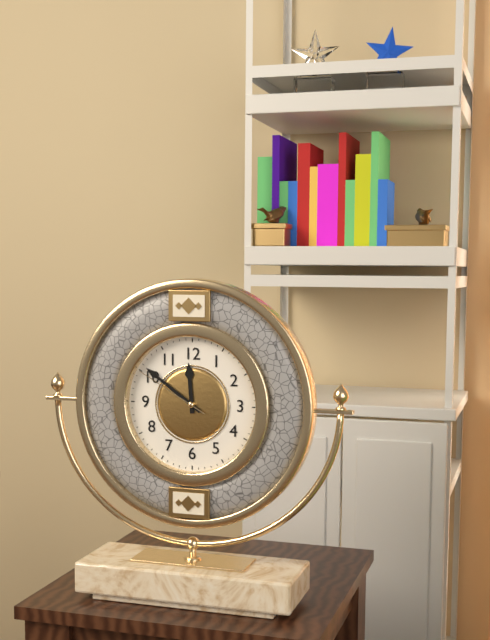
11,51,50
